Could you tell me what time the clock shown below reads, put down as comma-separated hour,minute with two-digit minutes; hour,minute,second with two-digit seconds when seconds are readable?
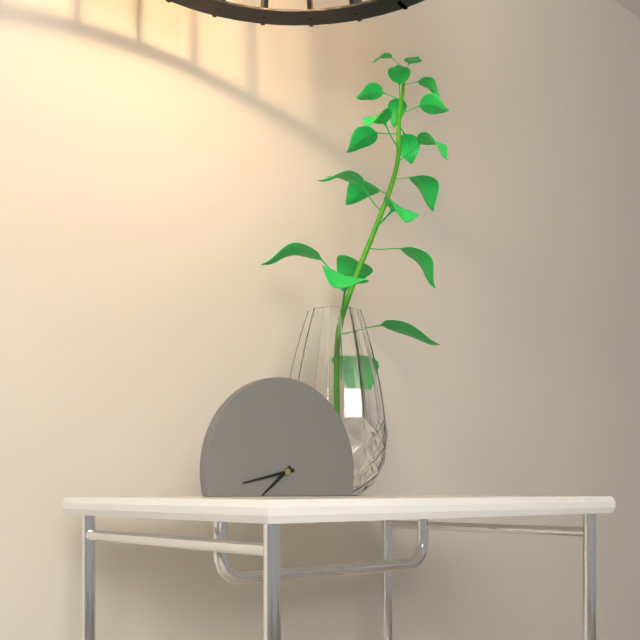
7,43
